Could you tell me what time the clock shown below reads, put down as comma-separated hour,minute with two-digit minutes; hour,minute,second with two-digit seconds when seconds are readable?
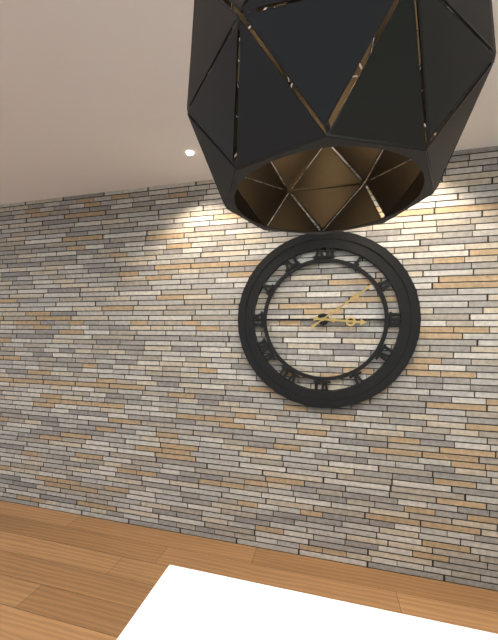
3,09
